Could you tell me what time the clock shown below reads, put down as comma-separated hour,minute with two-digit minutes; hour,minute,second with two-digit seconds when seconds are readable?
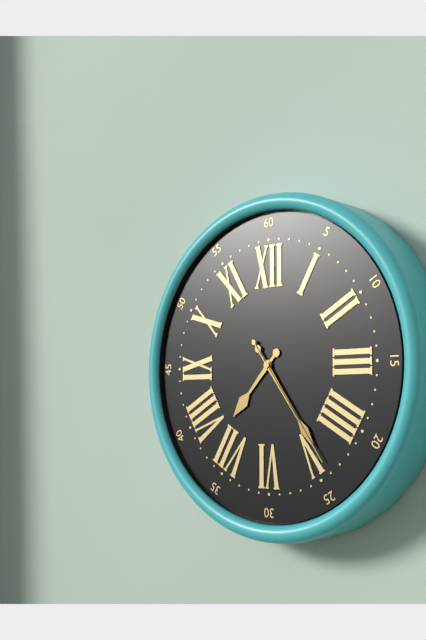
7,24,24
